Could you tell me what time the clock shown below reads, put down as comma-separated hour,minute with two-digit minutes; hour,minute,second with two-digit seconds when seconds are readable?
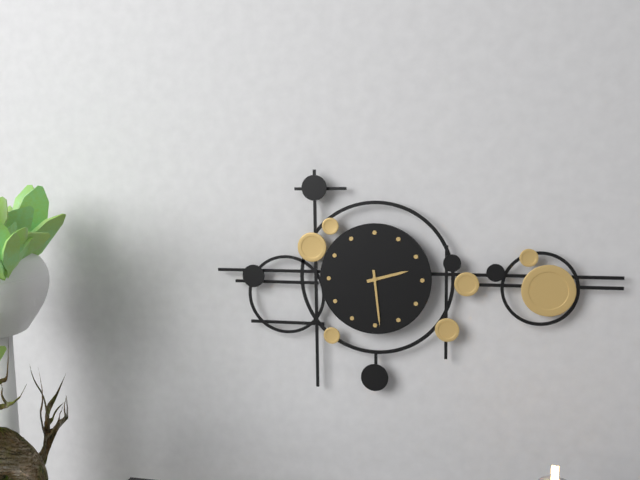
2,29
